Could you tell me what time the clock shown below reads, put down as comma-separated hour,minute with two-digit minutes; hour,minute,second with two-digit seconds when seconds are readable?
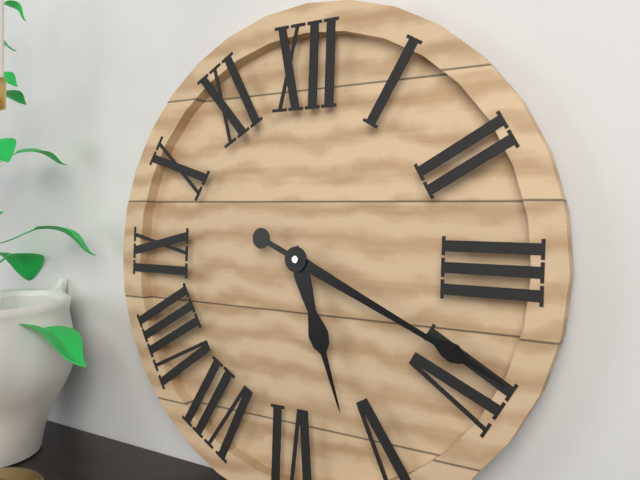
5,19
